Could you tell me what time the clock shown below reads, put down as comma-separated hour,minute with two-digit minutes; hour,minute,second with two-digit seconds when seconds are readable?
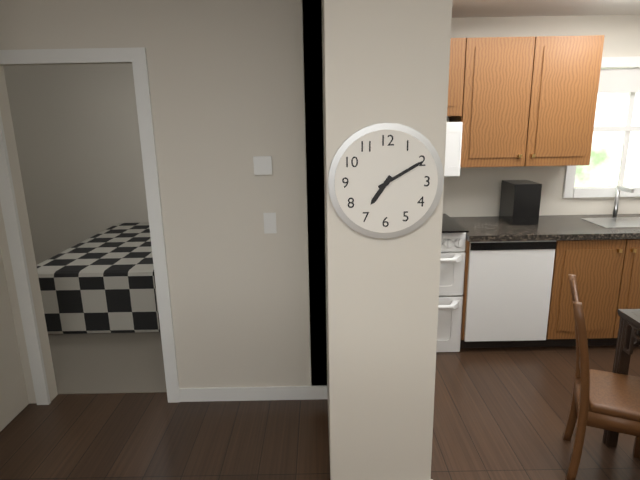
7,10
